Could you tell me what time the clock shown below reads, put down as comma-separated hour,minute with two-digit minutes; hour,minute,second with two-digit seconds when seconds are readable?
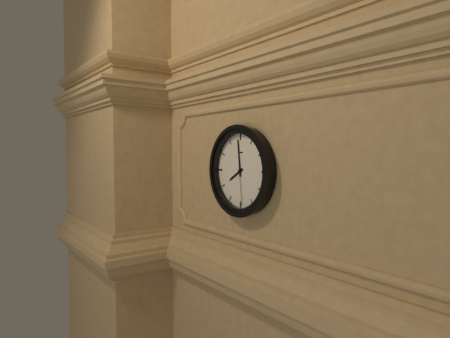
7,59
